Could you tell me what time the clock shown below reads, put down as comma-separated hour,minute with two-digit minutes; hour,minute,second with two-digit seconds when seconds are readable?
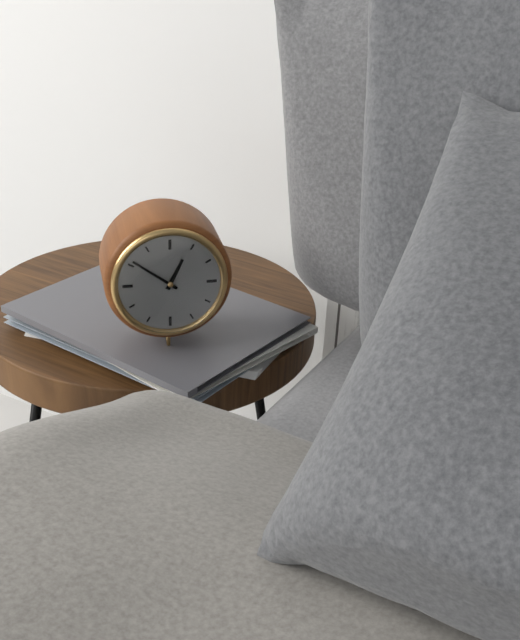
12,51
